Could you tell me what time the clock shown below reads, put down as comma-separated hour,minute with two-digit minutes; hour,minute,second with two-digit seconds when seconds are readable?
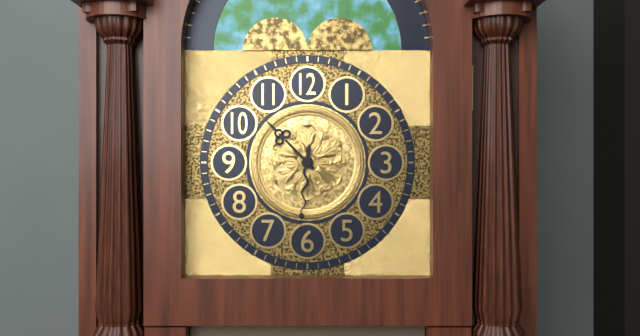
10,31
